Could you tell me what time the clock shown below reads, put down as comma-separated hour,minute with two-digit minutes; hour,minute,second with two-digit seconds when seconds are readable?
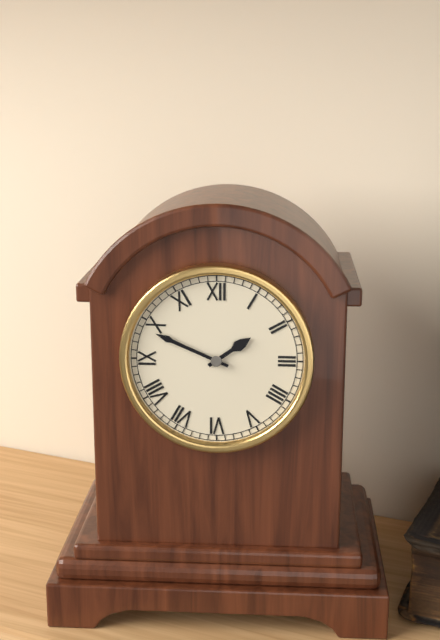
1,49
